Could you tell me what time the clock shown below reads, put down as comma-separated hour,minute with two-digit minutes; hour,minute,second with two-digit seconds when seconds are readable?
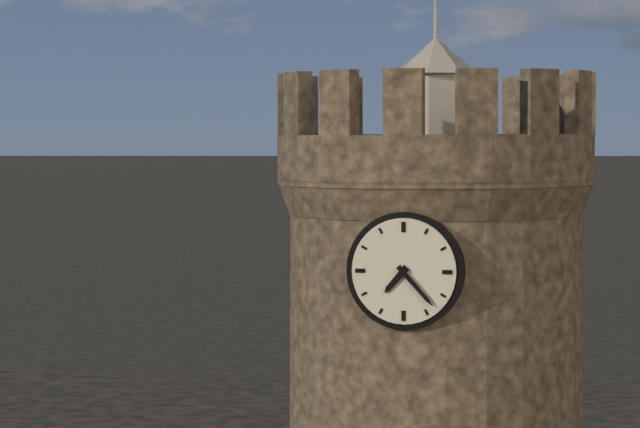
7,23
